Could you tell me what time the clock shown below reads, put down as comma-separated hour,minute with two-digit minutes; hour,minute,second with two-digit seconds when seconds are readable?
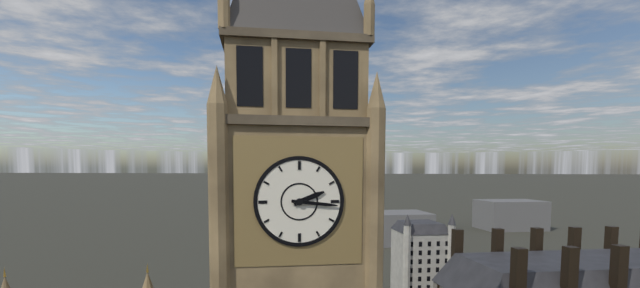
2,16
